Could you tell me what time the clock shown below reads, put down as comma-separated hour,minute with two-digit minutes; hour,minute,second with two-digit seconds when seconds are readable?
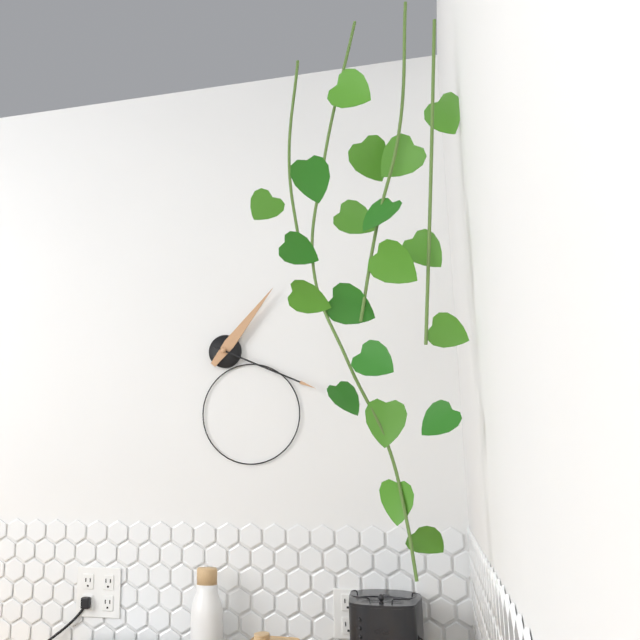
1,19
